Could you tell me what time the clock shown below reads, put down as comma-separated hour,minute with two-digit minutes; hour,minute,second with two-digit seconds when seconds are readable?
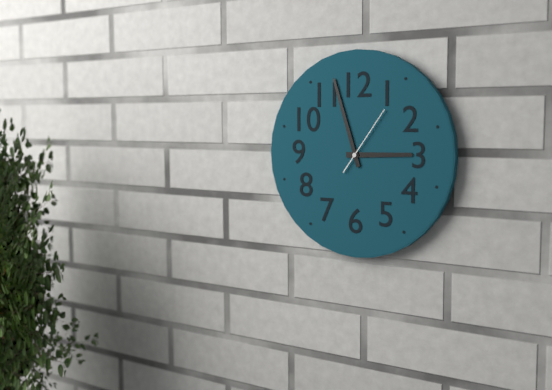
2,57,06
